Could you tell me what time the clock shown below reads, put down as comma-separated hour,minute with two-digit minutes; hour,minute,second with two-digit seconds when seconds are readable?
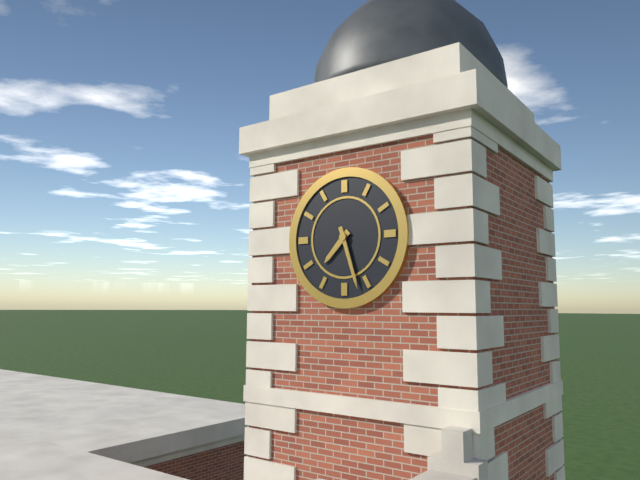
7,27
